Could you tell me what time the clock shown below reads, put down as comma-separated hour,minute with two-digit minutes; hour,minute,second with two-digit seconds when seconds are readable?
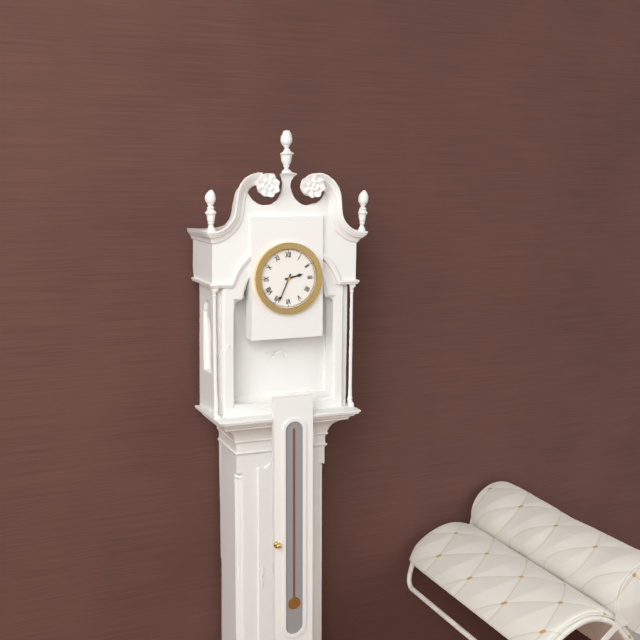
2,34
